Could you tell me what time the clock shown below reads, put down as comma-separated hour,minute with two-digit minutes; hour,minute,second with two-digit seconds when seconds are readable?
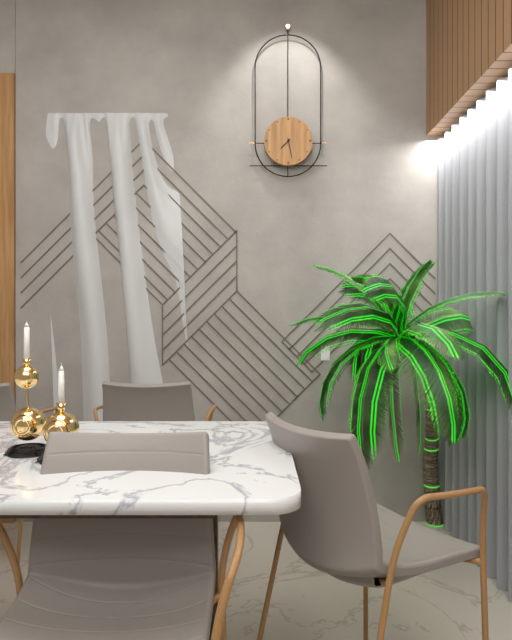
7,28
